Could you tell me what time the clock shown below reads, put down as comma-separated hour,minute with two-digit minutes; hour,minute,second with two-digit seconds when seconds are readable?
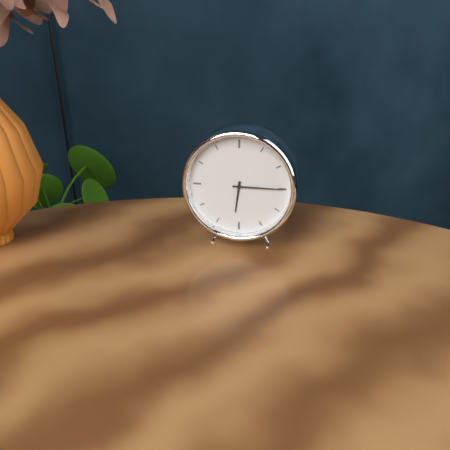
6,15
